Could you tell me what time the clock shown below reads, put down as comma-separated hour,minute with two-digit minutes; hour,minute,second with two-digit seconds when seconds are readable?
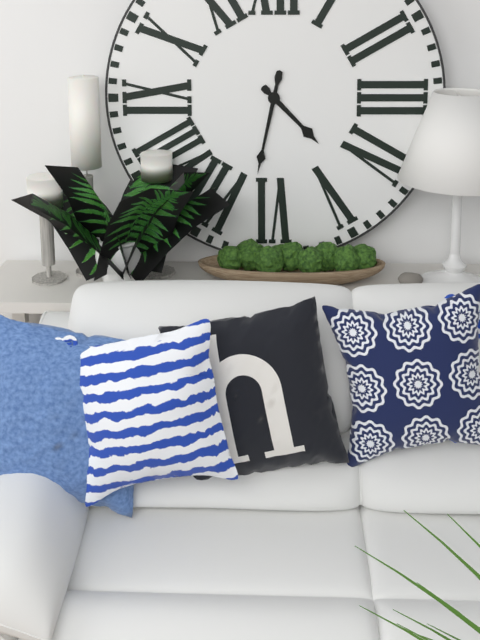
4,32
